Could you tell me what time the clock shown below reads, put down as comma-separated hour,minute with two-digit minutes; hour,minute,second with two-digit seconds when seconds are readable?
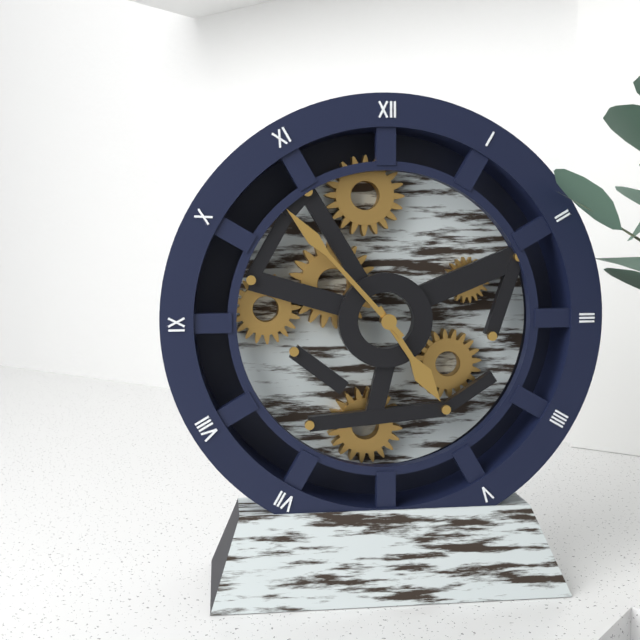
4,53
